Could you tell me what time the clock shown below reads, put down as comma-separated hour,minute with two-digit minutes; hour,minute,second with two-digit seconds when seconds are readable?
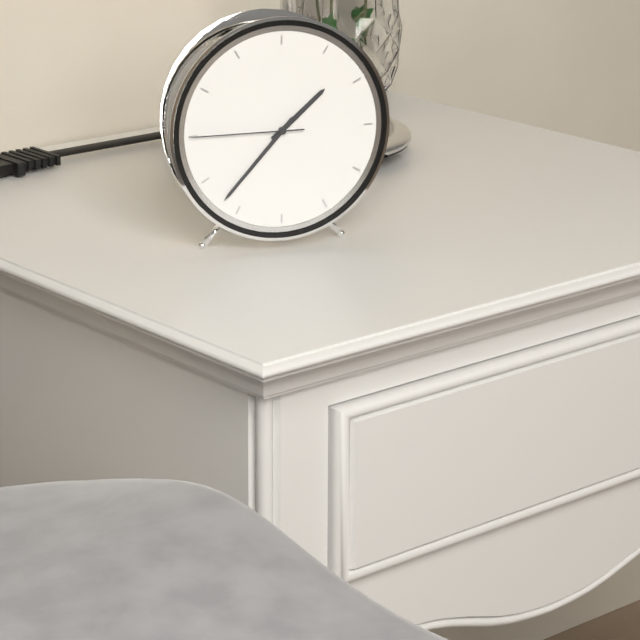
1,37,45
